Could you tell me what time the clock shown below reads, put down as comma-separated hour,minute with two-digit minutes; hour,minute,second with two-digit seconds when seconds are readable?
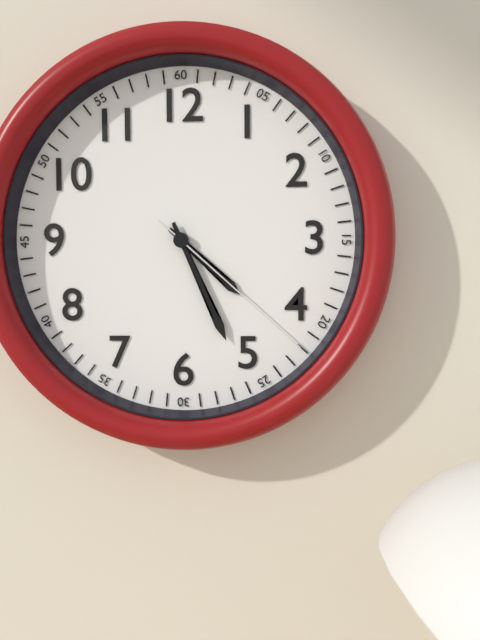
4,26,22
